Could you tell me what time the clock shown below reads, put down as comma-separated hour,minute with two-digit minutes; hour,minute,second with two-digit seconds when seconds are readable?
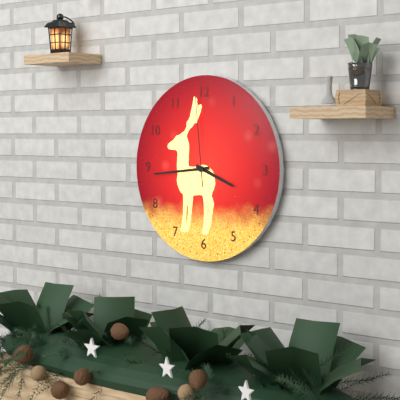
3,44,59
